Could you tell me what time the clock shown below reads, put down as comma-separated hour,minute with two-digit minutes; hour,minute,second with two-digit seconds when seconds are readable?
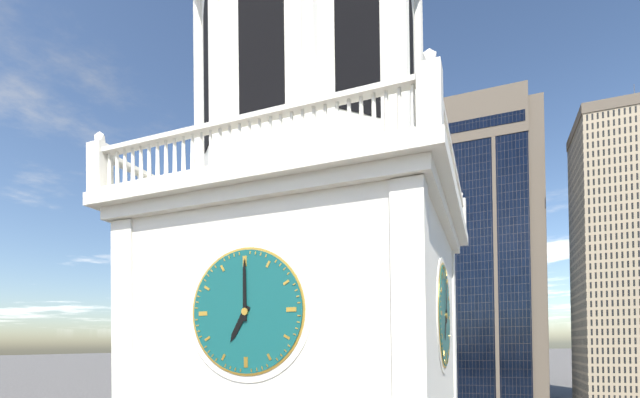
7,00
